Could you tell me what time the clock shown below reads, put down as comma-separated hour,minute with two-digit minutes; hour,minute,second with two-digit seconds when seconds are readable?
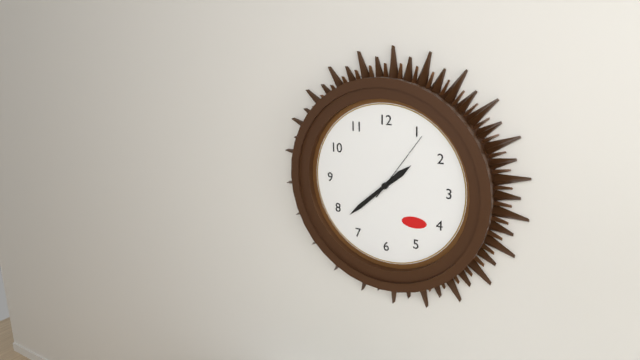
1,38,06
